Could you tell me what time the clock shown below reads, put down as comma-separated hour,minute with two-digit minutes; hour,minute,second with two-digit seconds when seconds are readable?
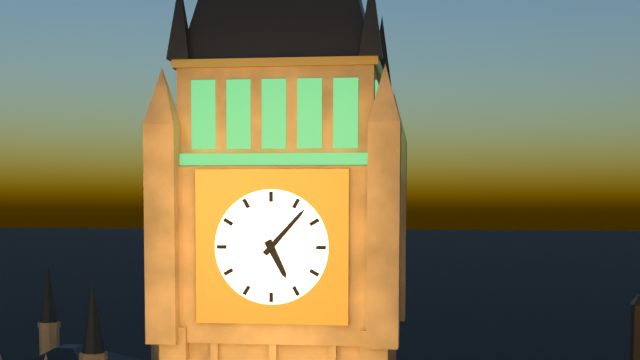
5,07
